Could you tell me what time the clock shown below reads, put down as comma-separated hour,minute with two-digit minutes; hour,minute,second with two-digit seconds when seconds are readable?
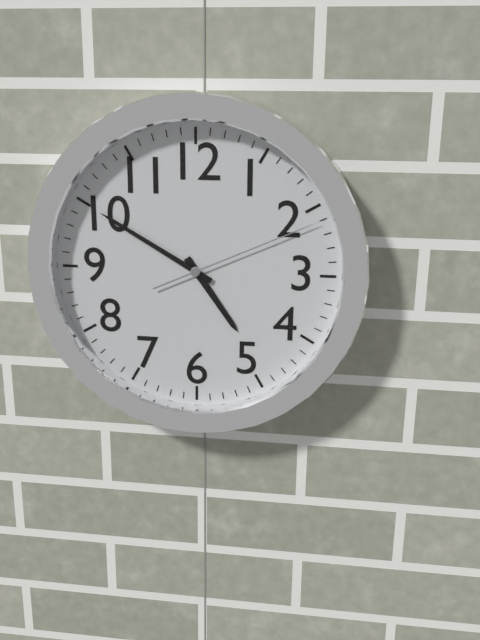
4,50,11
